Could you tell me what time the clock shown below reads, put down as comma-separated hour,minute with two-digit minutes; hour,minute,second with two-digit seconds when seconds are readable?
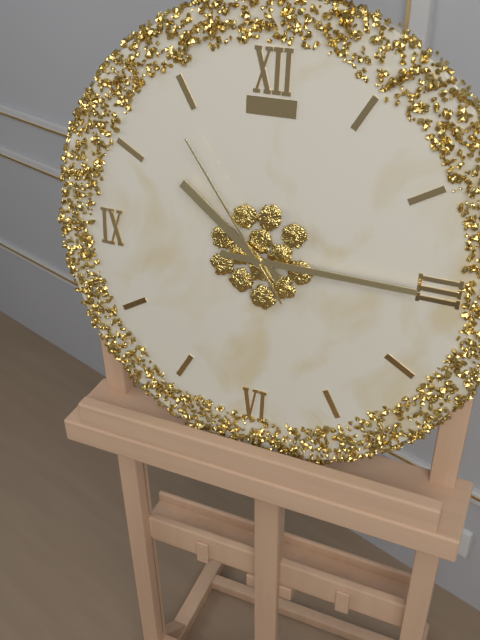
10,15,54
